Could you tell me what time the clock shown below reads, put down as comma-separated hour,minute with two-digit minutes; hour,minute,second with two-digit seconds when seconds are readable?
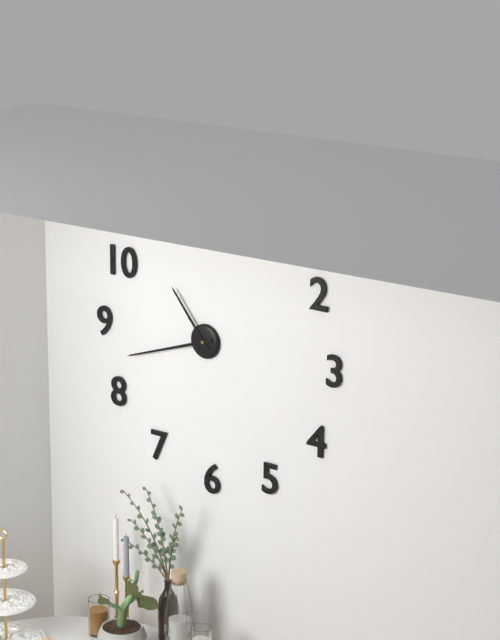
10,42
